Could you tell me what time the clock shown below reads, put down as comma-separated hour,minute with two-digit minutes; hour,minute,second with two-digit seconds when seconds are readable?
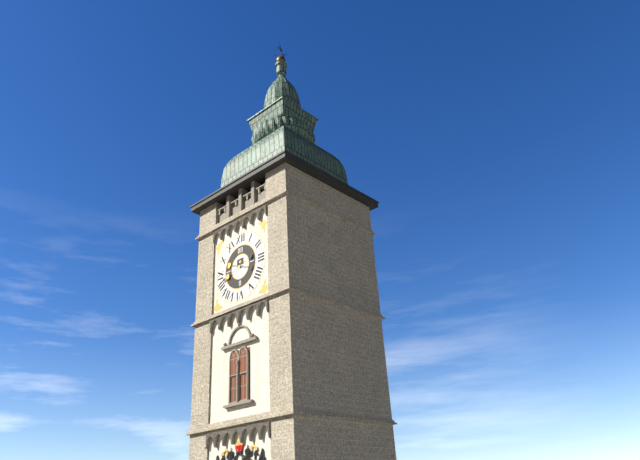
9,42
